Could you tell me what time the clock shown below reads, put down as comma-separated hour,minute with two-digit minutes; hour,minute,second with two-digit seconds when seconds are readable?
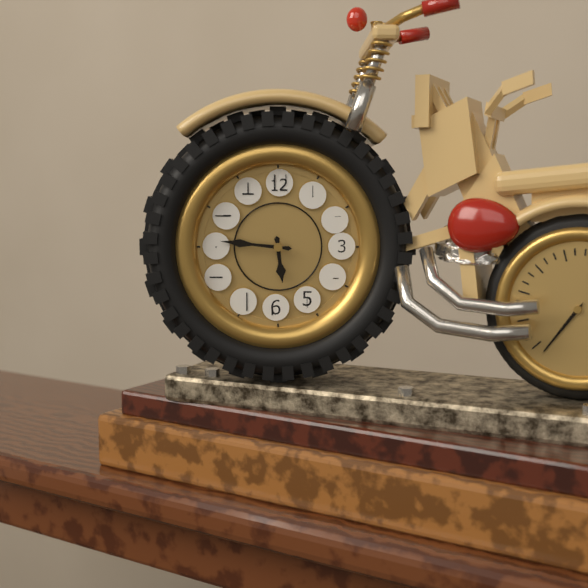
5,46
